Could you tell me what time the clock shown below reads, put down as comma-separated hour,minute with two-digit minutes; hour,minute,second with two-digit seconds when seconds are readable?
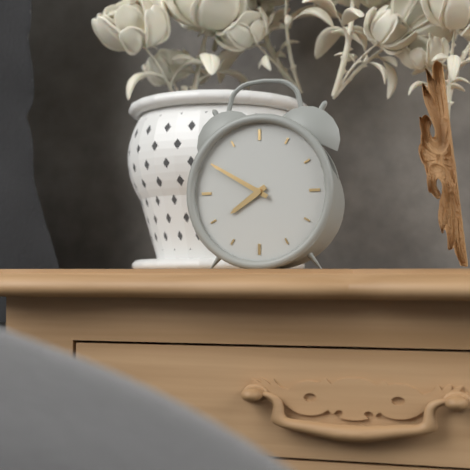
7,50
